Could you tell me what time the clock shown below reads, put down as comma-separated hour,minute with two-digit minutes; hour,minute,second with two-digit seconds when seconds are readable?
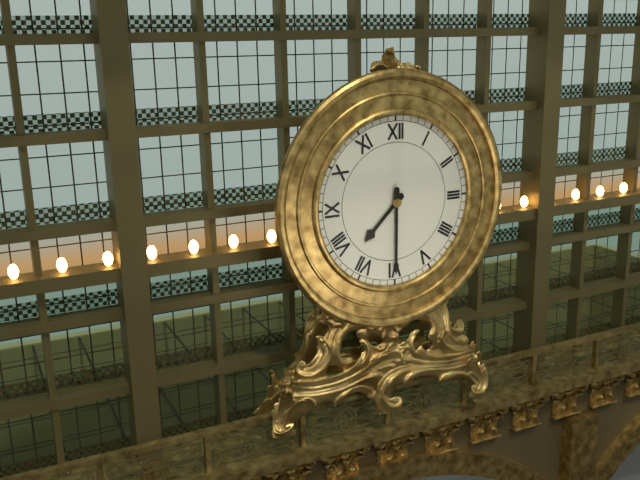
7,30
